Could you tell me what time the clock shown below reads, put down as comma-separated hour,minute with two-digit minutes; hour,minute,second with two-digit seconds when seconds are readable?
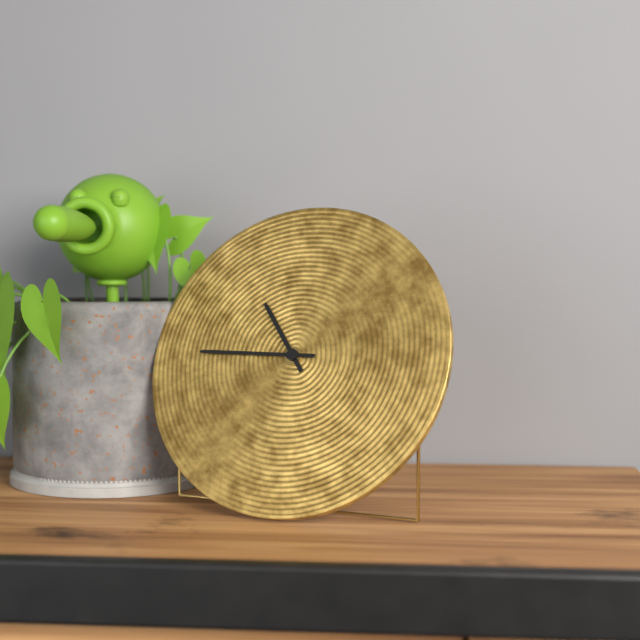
10,45
